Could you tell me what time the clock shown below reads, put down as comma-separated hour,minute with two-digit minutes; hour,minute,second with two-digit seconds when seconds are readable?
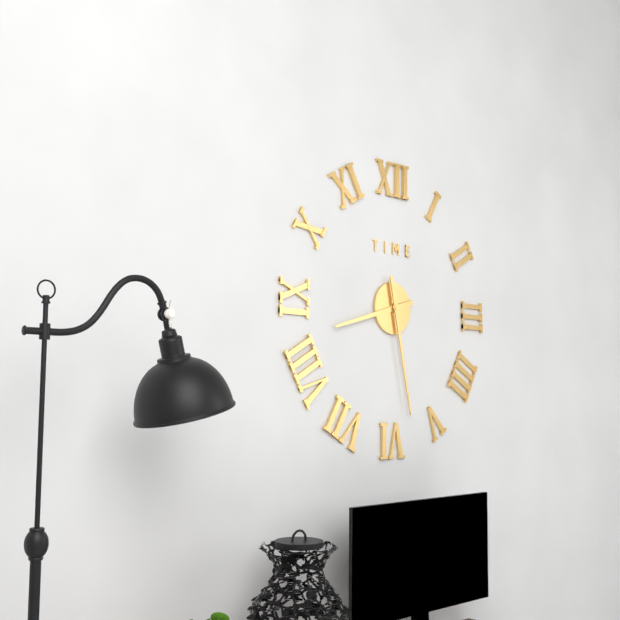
8,28
